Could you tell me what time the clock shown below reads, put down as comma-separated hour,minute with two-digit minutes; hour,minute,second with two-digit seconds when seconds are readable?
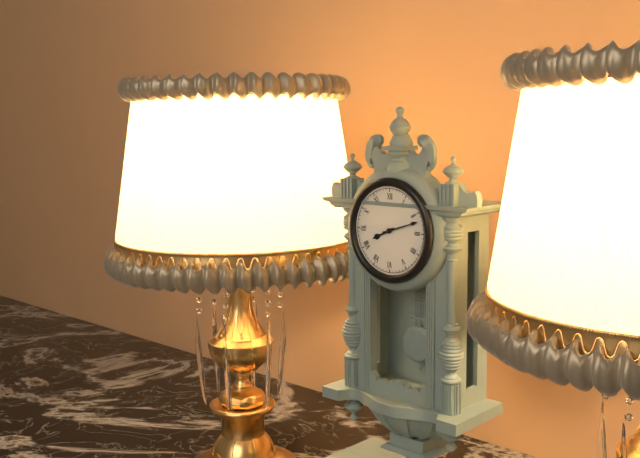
8,12
